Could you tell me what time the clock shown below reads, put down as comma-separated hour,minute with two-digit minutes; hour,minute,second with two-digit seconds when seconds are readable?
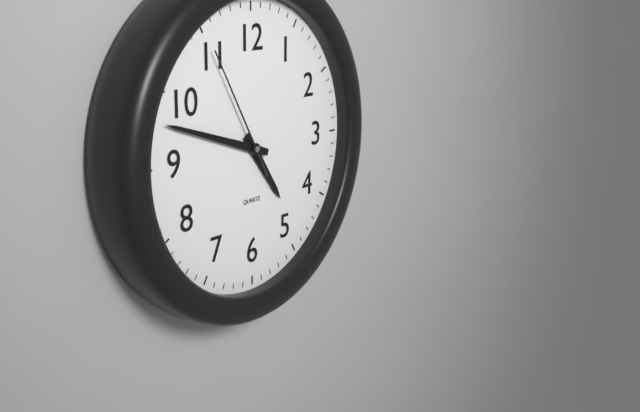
4,48,55
